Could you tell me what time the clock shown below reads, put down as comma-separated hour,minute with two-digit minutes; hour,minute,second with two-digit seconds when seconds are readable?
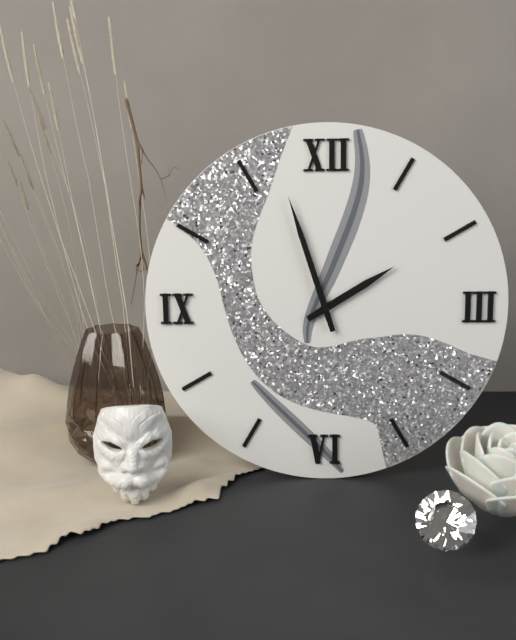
1,57
